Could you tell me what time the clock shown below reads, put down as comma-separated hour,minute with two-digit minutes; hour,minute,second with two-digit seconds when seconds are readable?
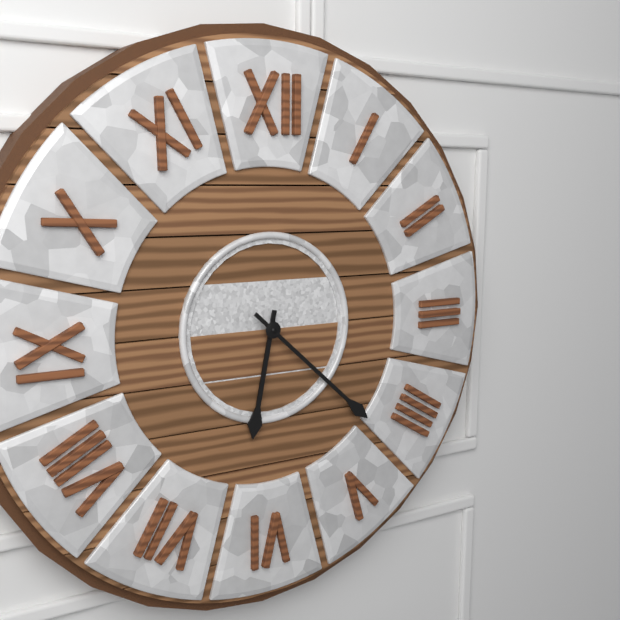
6,22
